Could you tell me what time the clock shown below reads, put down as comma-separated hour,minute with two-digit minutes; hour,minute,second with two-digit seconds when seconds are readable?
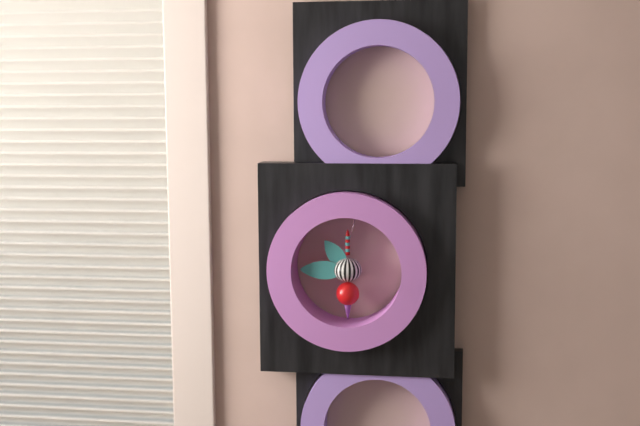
10,45
